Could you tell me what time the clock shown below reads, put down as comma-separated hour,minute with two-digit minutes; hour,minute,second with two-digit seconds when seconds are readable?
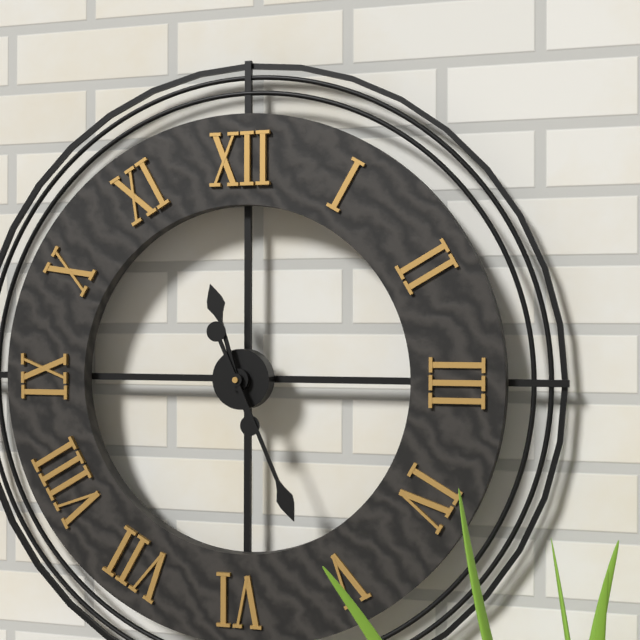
11,26
